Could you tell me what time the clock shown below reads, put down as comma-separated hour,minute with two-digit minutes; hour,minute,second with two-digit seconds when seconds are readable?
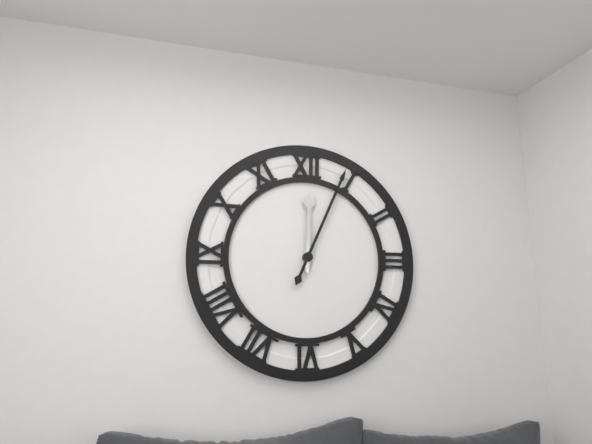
12,04
